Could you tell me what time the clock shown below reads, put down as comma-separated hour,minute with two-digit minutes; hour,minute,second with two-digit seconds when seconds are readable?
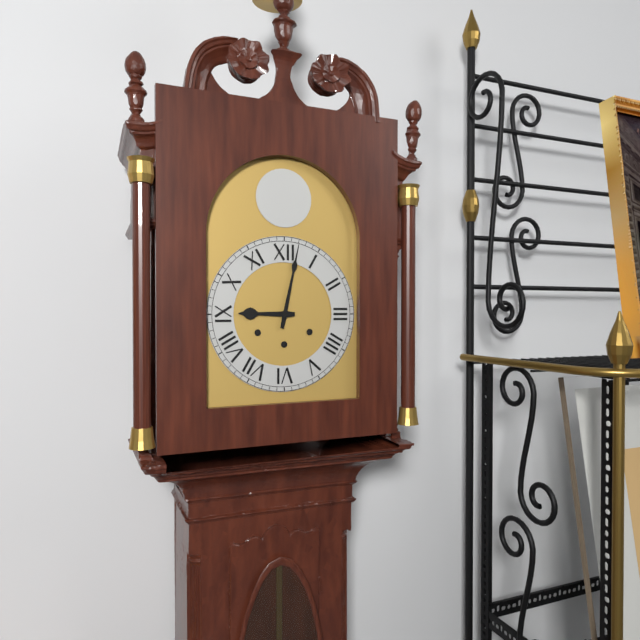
9,02
